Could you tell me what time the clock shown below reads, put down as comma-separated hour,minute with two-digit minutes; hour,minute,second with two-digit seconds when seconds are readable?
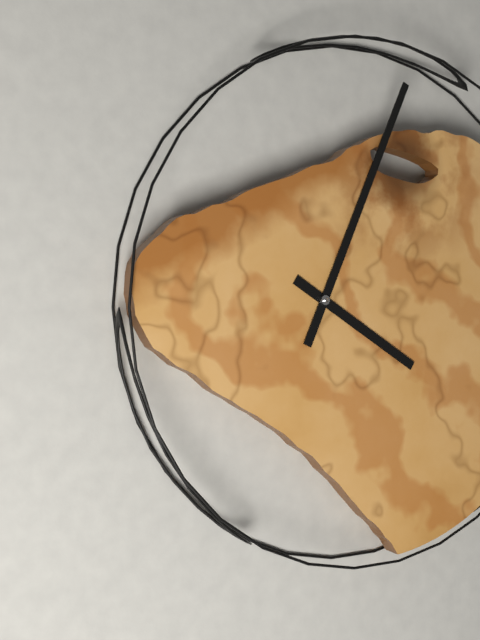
4,04
